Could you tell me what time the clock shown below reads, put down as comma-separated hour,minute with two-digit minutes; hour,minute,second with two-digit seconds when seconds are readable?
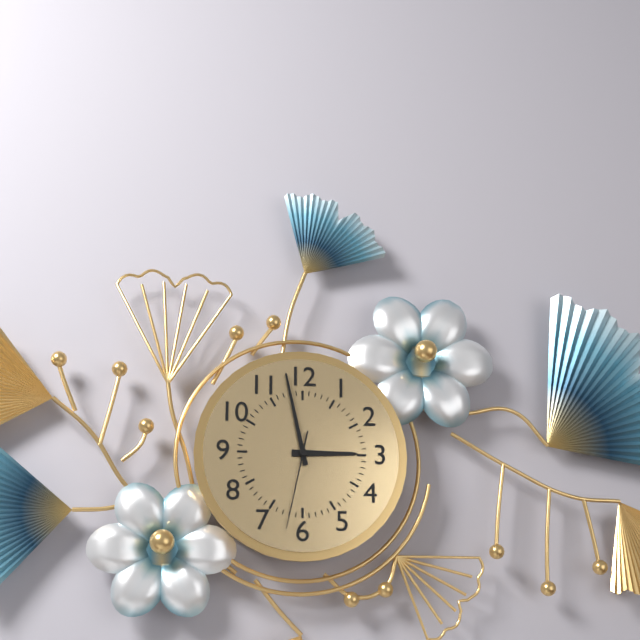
2,58,32
